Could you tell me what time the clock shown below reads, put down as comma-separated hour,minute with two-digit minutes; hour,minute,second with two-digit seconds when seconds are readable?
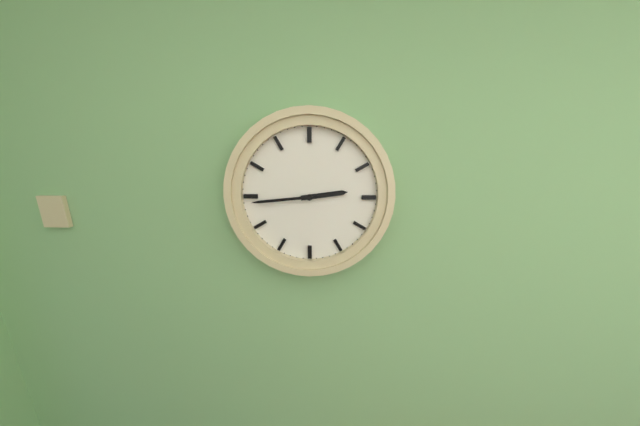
2,44
